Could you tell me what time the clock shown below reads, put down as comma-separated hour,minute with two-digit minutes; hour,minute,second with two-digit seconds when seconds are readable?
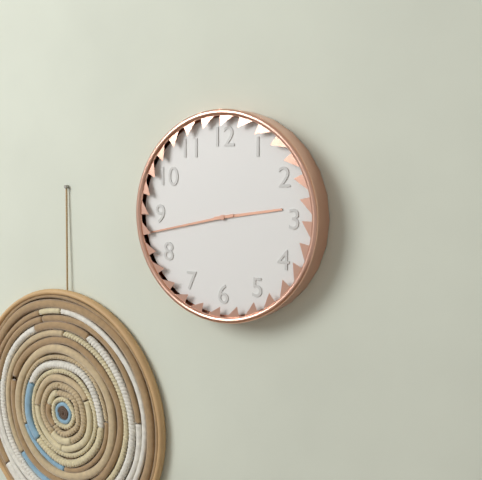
2,43
